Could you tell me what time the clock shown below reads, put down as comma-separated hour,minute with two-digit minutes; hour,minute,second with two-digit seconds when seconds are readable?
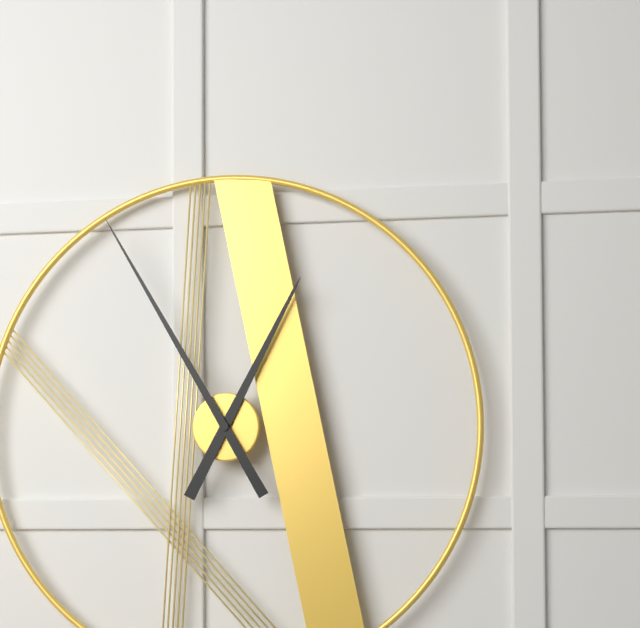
12,55
